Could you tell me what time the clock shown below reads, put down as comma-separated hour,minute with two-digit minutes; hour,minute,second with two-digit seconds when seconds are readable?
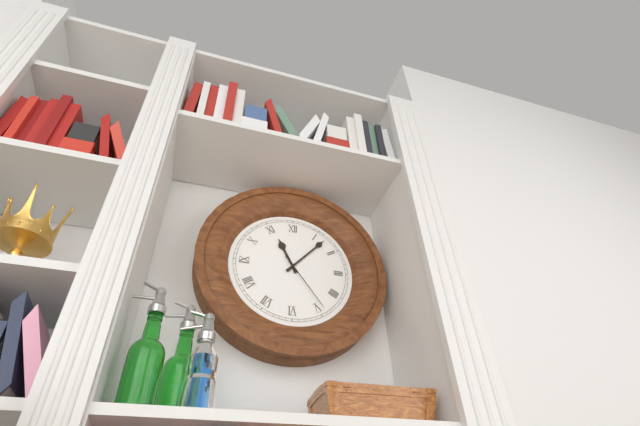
11,07,24
